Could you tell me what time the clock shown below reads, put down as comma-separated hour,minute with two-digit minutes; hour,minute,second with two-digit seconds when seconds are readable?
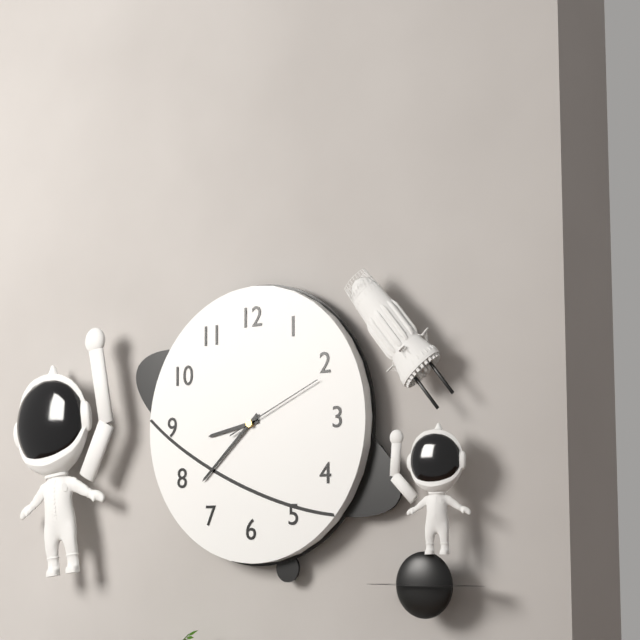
8,38,11
